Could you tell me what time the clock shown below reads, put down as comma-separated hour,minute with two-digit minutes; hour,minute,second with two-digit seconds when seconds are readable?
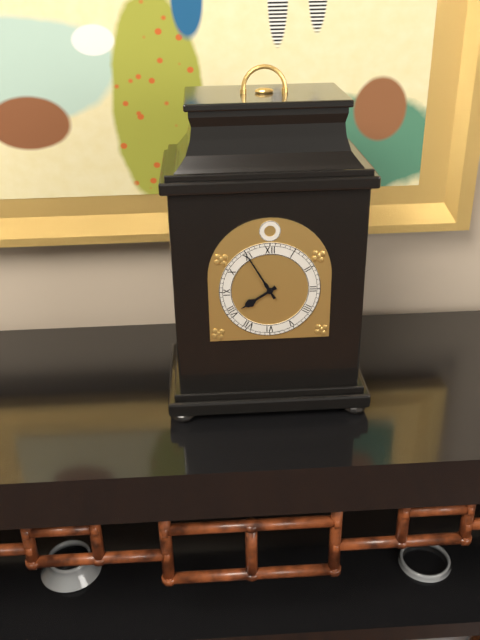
7,55
